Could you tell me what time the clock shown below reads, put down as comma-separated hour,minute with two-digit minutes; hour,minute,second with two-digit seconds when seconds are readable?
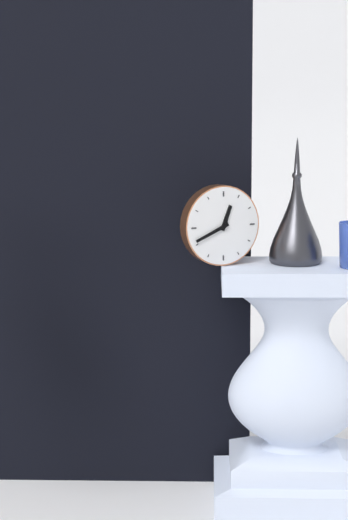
12,41
